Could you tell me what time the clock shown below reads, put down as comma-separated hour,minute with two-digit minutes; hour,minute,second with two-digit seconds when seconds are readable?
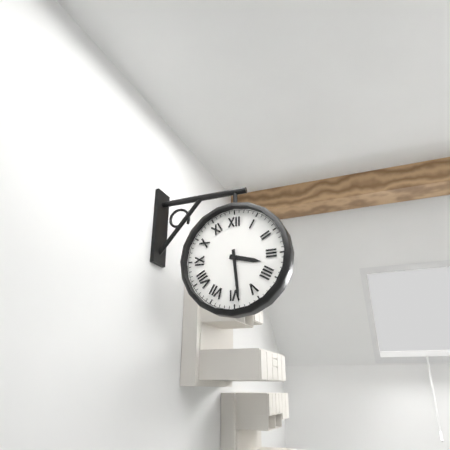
3,29
